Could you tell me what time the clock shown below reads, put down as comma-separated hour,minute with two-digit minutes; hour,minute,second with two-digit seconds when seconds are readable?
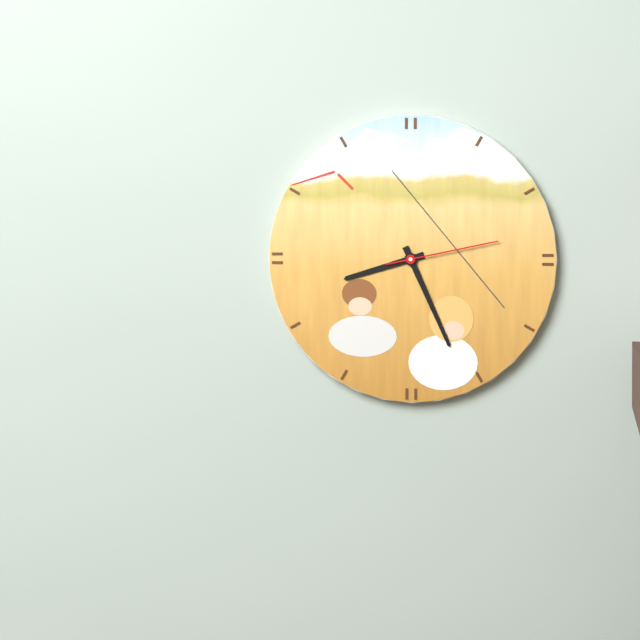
8,26,13
